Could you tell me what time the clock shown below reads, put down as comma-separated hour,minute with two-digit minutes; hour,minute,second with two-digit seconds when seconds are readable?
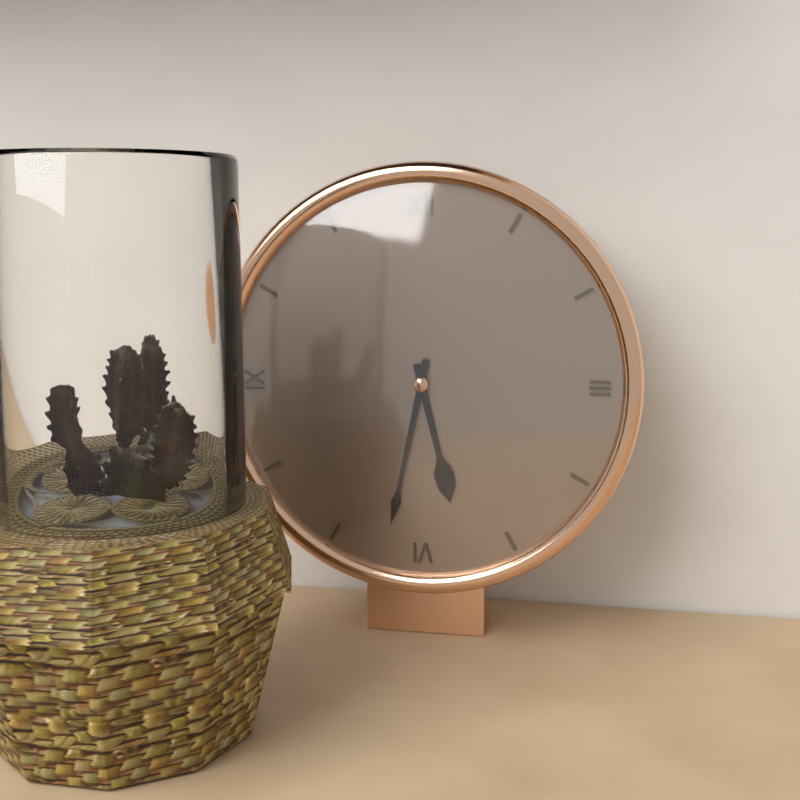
5,32
